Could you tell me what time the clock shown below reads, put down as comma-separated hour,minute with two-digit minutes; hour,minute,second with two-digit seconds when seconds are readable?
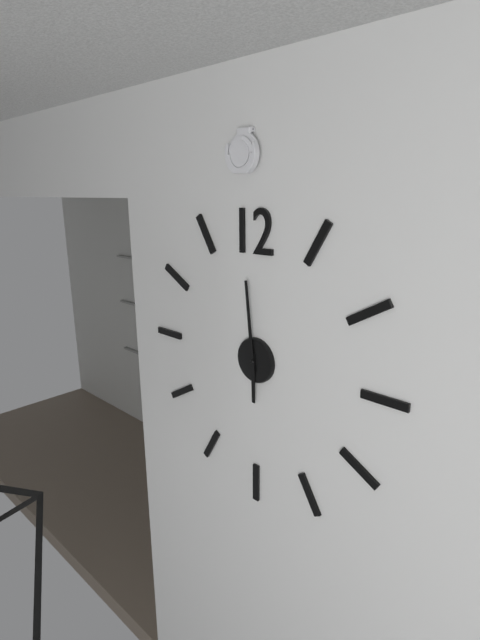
5,59
